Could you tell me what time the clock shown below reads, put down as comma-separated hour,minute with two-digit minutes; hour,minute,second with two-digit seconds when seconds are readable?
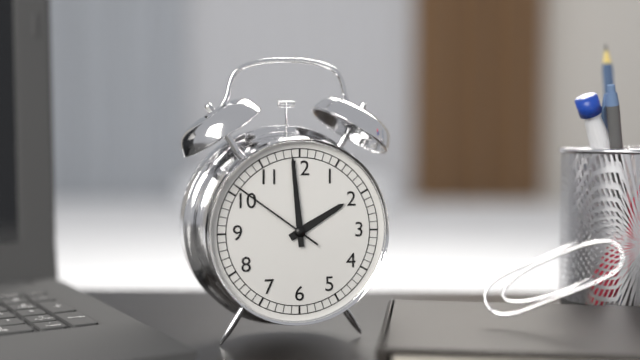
1,59,51
